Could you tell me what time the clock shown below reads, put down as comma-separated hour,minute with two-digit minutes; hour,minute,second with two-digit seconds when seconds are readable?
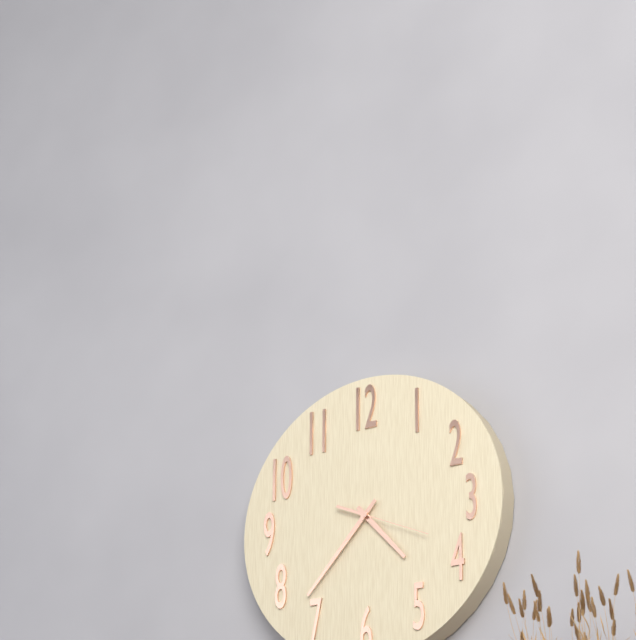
4,37,19
